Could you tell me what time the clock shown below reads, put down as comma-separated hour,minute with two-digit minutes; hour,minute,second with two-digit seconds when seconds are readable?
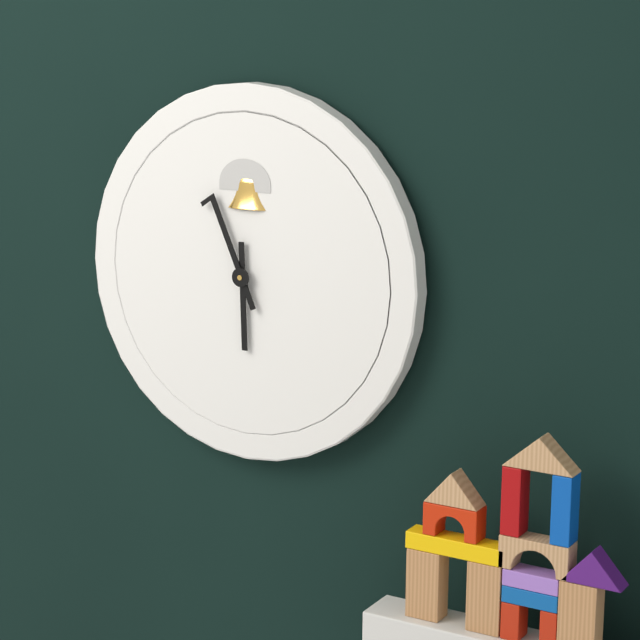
5,56
